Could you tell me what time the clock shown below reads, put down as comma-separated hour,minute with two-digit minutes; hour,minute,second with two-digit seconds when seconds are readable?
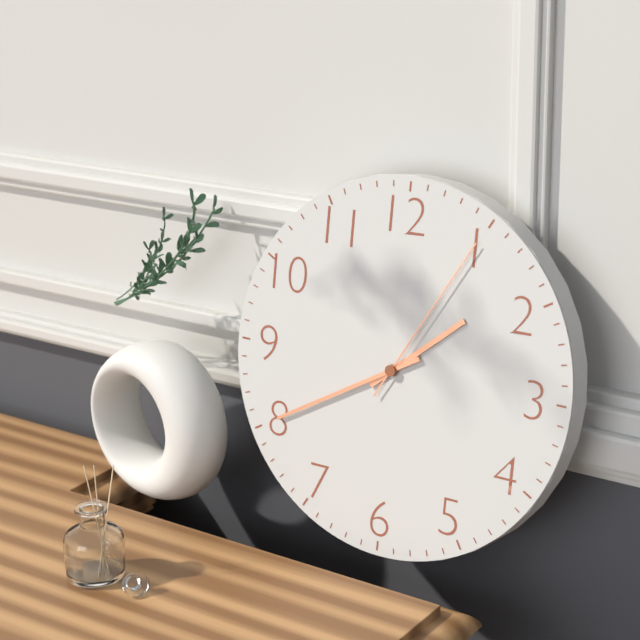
1,40,05
